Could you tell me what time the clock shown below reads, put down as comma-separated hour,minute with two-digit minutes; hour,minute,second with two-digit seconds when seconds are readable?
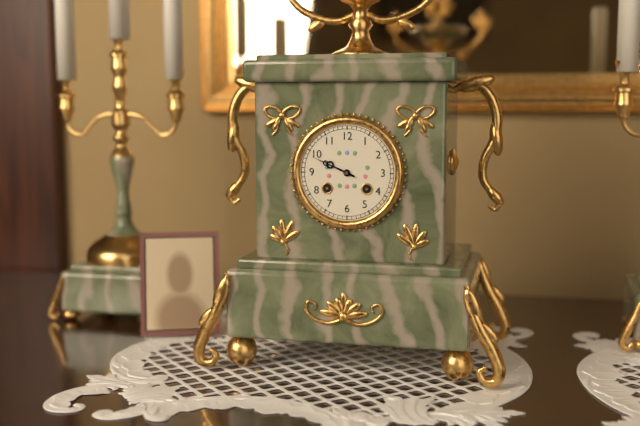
9,49
